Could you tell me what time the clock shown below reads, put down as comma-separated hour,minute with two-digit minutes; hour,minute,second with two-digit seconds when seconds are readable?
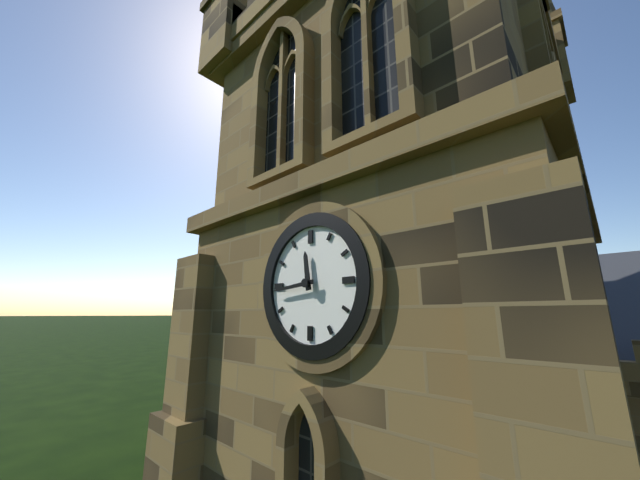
11,44
